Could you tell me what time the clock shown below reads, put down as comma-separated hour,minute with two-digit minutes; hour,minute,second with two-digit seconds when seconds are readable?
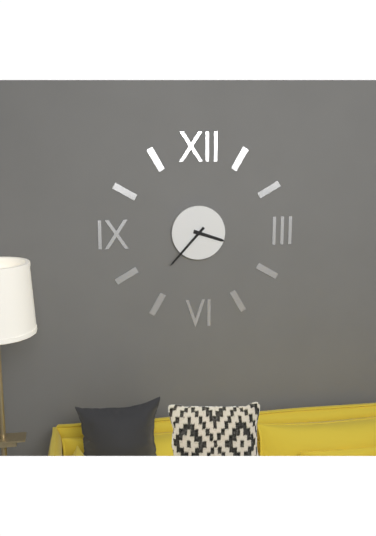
3,37
